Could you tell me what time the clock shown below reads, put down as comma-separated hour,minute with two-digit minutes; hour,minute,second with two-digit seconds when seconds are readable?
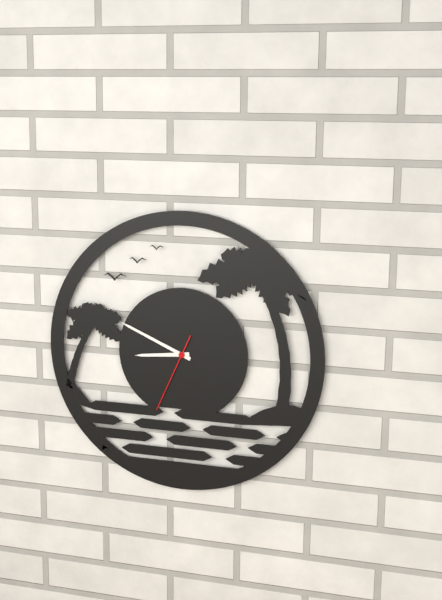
8,49,34
